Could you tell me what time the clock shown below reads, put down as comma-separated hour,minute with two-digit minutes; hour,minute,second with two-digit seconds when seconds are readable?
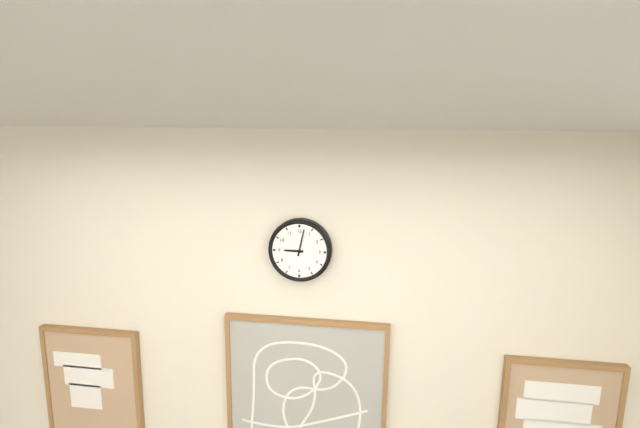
9,02
